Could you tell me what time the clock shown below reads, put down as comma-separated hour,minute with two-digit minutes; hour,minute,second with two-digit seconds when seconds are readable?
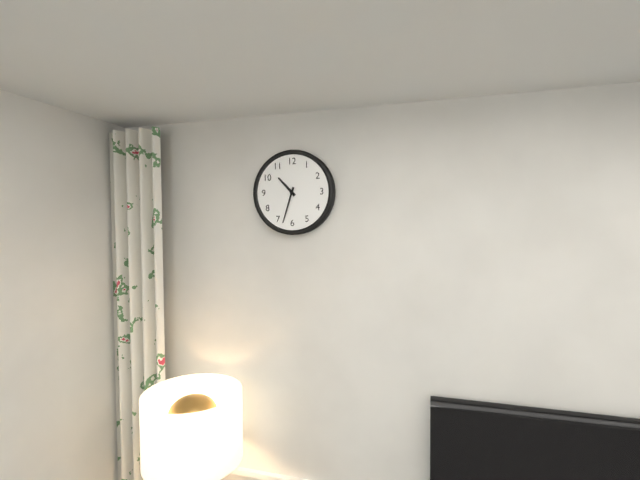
10,33
